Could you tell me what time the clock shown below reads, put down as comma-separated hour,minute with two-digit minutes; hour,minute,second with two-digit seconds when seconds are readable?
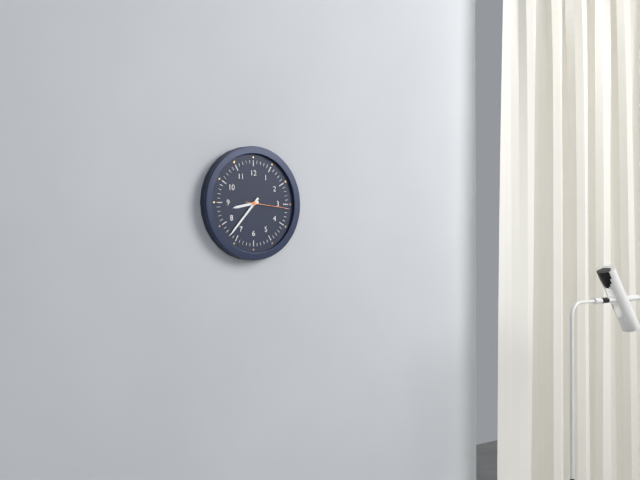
8,37
